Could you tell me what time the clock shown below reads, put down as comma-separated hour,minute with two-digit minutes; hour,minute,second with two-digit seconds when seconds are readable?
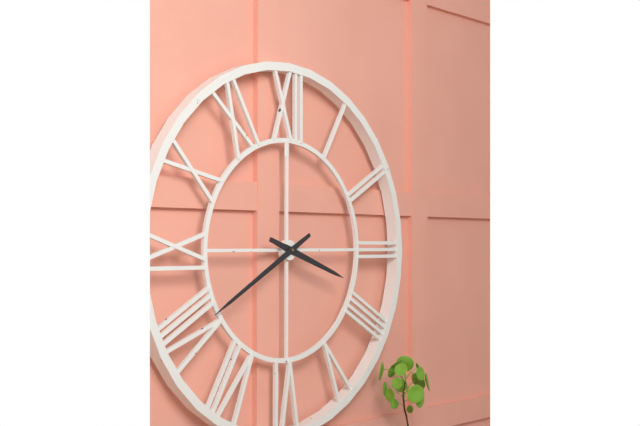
3,40
